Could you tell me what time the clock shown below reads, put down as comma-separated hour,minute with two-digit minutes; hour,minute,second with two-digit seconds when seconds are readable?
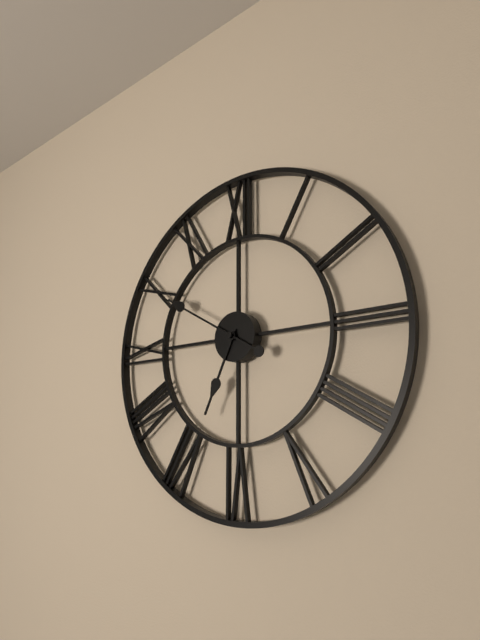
6,50
